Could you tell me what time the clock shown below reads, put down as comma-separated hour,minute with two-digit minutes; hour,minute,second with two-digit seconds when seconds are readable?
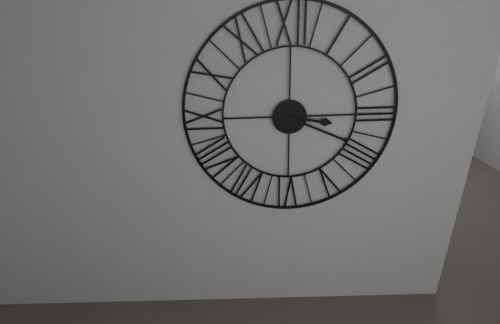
3,19
